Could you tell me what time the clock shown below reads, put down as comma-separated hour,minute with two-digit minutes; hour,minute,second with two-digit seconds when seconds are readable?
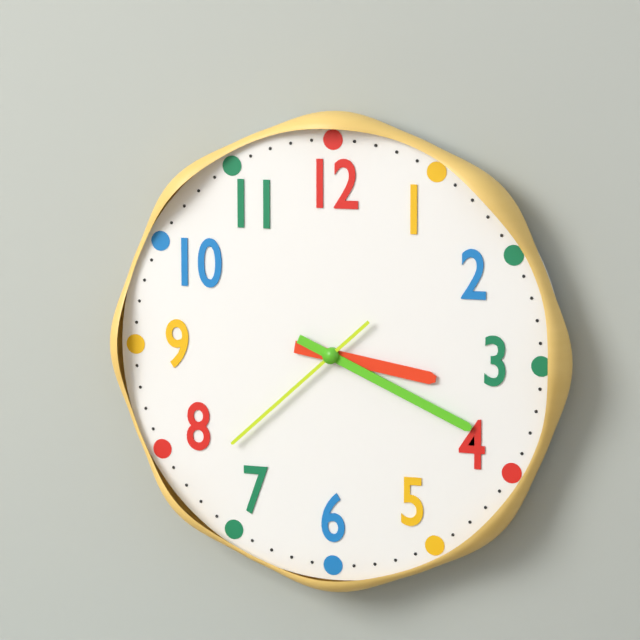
3,19,38
